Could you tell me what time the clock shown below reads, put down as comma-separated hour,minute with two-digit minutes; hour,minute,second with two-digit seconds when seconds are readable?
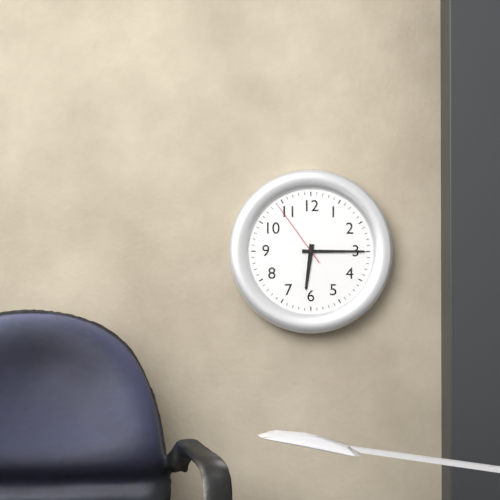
6,15,54
